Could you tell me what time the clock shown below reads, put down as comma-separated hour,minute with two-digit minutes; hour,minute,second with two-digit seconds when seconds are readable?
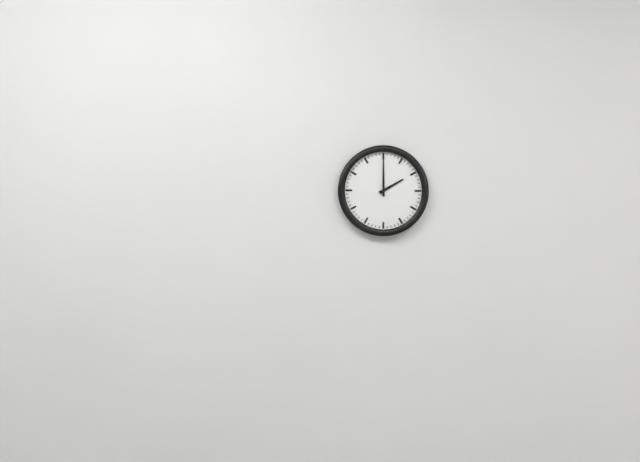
2,00
